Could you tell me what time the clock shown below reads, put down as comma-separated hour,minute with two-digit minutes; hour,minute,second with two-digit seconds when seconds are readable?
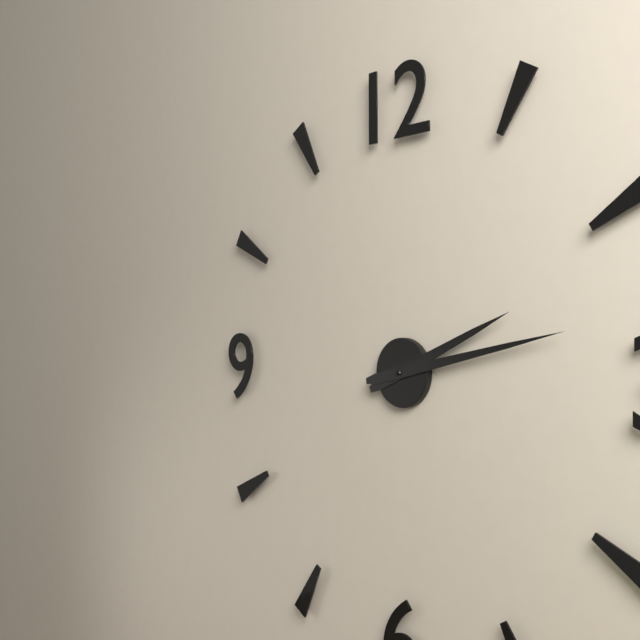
2,13
